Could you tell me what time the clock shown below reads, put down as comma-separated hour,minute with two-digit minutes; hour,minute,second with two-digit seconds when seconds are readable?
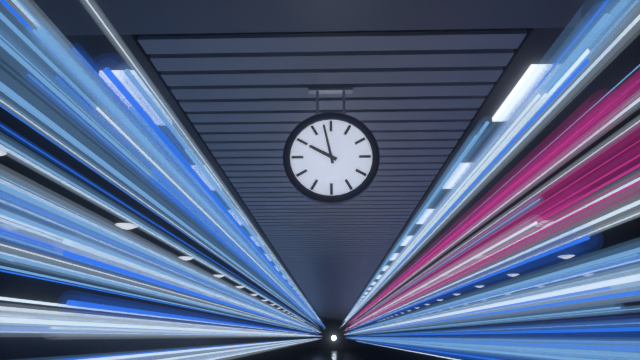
9,58
